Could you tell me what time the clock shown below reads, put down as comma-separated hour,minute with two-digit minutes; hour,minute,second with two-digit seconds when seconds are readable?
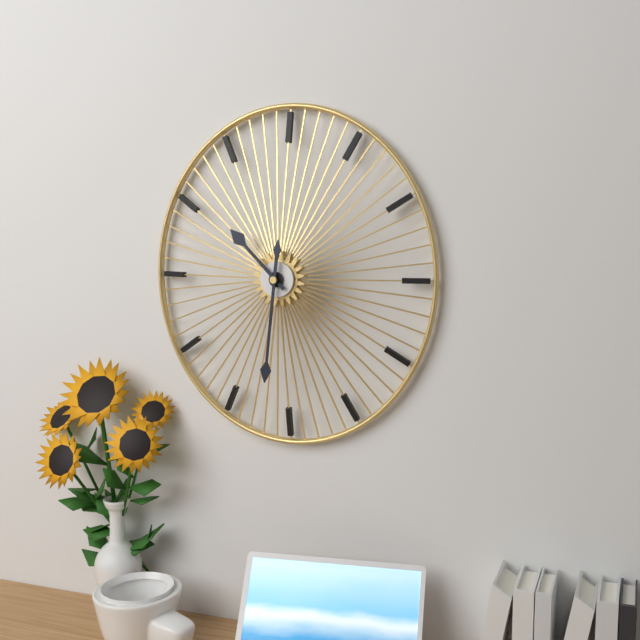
10,31
